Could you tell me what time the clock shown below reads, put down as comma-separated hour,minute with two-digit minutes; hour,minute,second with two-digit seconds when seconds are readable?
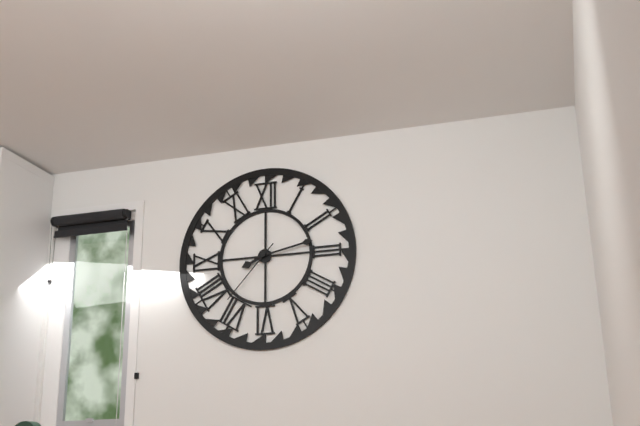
8,13,37
